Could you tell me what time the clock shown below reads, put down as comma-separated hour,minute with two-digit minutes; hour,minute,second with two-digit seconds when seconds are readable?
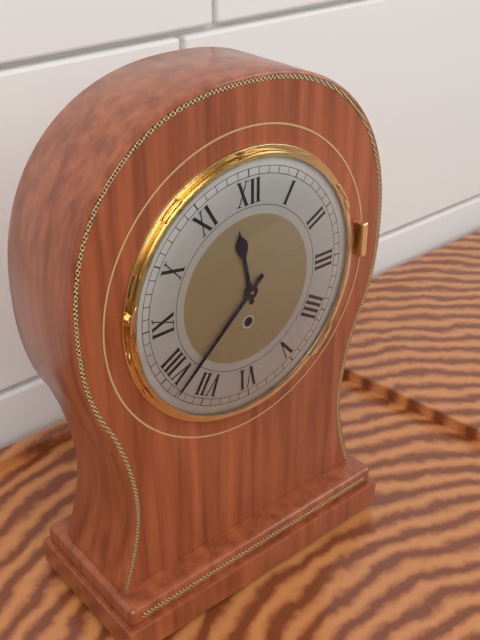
11,38
